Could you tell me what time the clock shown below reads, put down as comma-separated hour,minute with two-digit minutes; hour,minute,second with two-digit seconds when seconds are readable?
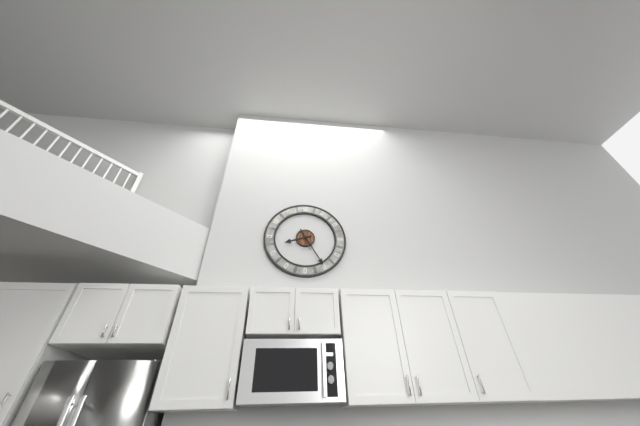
8,25
